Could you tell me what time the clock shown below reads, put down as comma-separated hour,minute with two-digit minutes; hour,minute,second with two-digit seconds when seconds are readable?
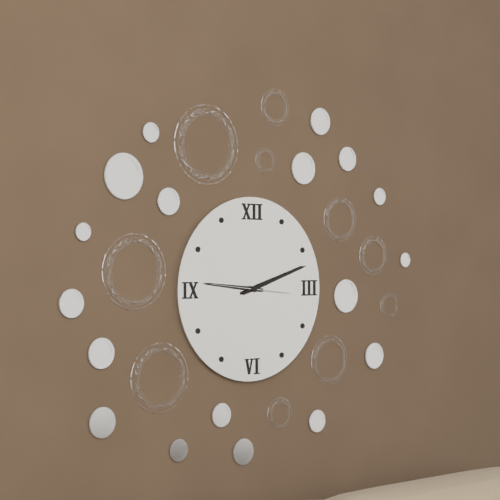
9,12,46
